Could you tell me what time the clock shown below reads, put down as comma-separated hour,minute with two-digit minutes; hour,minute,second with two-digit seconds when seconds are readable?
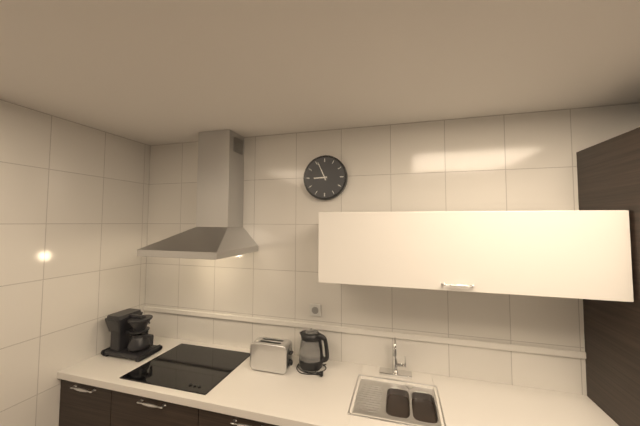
8,56
